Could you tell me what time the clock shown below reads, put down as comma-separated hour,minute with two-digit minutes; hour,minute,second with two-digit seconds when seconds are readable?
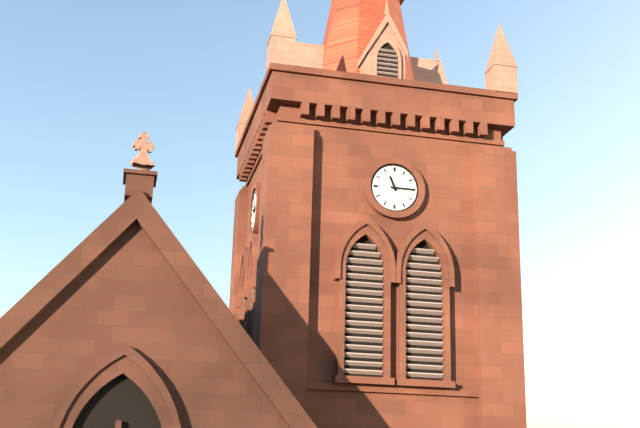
11,15
